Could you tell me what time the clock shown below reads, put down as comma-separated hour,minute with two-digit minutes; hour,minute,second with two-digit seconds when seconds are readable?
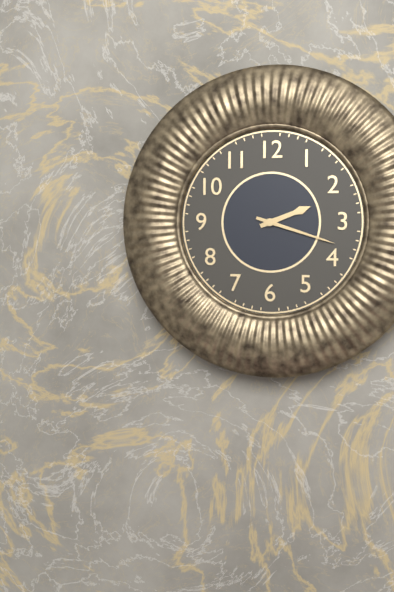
2,18
